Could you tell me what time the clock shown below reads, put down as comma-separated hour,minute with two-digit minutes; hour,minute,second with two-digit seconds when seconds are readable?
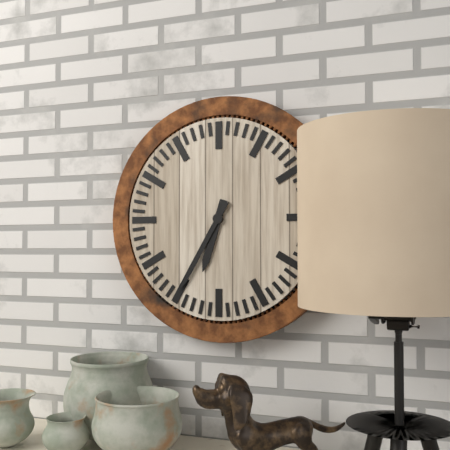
6,35
